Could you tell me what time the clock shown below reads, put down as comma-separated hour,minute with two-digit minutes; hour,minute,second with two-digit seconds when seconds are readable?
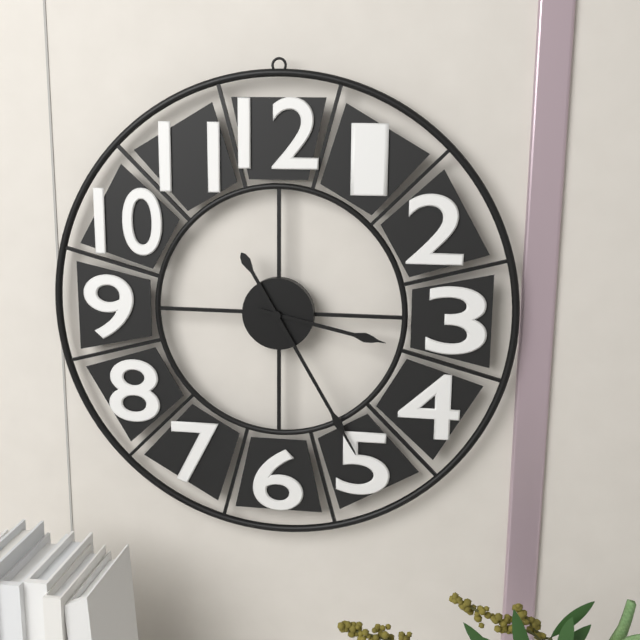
3,25
